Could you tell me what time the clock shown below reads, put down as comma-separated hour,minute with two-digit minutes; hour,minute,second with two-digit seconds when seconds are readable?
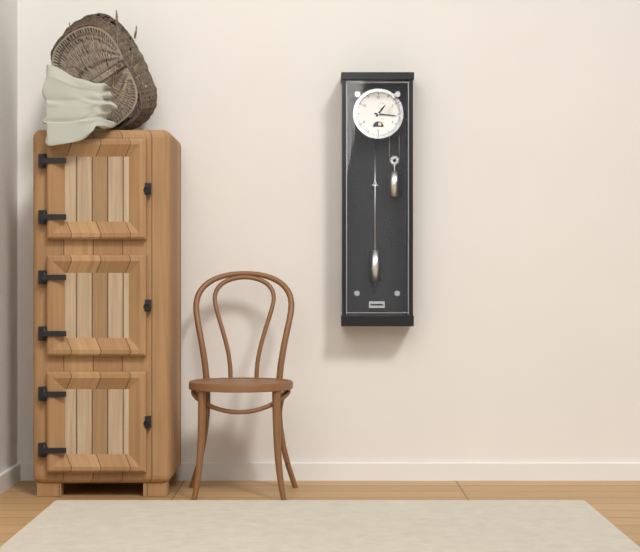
1,16
